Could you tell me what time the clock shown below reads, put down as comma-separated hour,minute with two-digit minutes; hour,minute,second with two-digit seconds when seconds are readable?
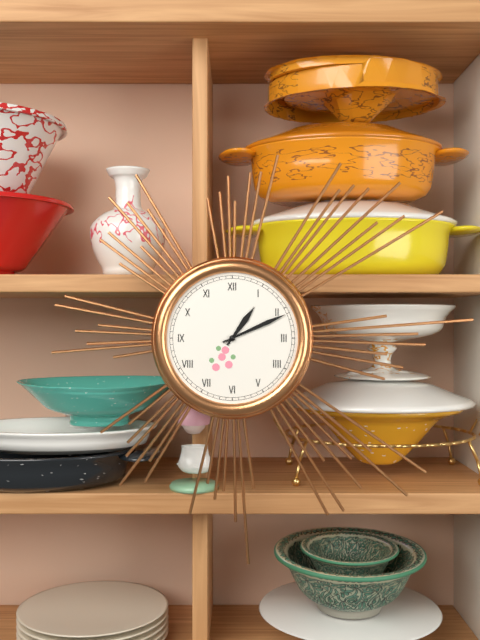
1,11
